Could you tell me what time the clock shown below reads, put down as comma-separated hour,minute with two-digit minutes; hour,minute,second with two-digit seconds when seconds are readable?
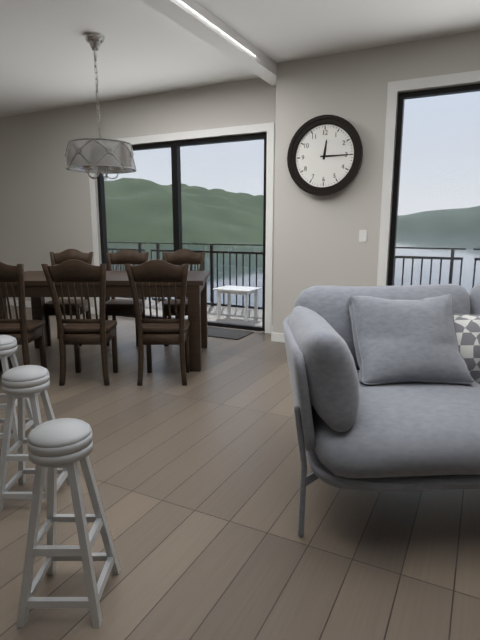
12,15
